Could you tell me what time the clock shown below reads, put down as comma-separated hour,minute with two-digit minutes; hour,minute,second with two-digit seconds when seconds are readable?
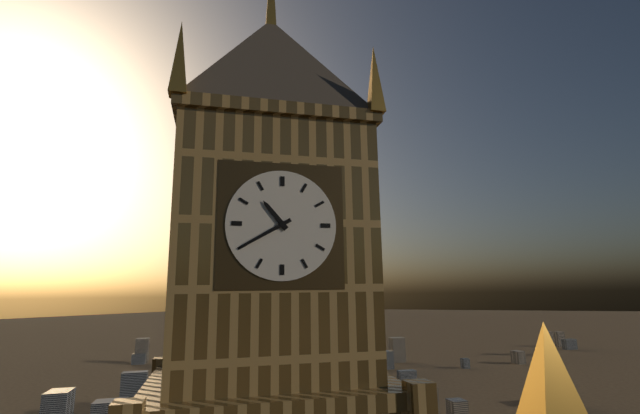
10,40
